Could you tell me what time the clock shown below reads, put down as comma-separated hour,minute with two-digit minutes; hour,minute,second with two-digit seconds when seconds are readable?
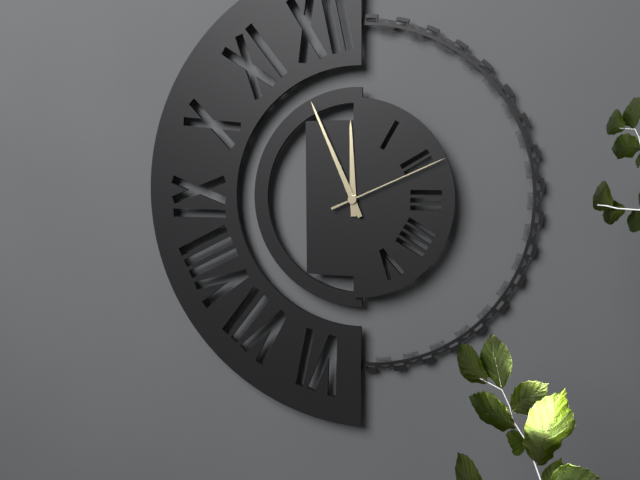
11,56,11
